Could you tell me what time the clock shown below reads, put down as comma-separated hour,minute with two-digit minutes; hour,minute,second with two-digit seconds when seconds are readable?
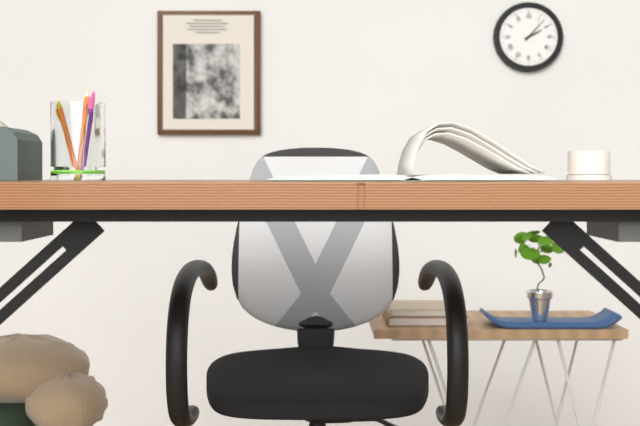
2,07
